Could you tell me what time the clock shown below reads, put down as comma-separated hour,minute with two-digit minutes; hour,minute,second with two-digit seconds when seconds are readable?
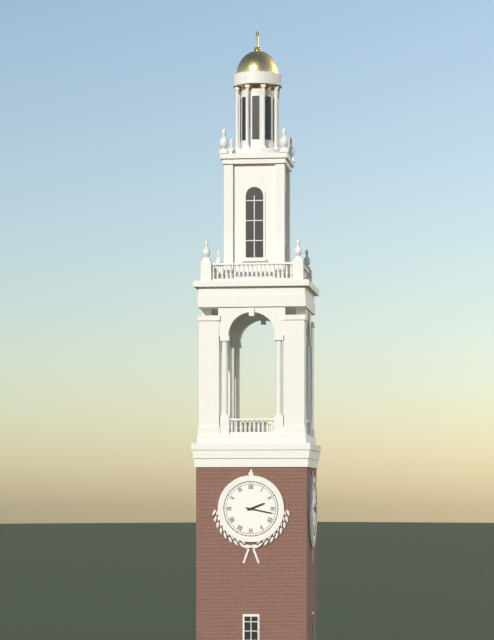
2,17
